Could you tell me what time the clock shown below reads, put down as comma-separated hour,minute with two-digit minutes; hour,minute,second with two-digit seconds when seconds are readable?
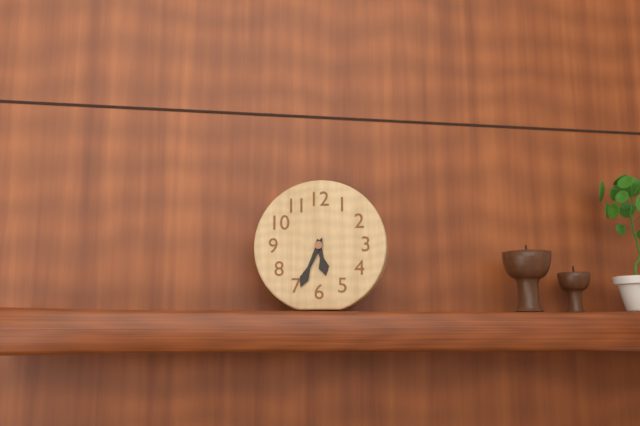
5,34
